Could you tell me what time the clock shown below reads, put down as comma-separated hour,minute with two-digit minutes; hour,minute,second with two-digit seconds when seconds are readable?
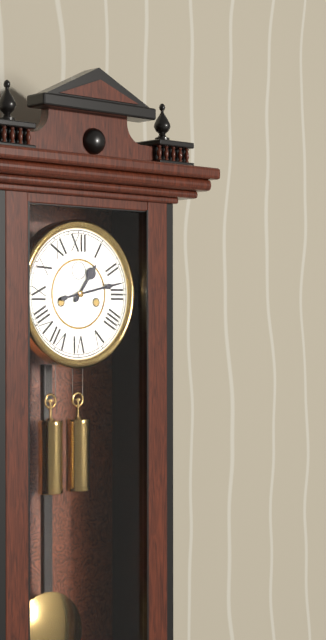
1,13
